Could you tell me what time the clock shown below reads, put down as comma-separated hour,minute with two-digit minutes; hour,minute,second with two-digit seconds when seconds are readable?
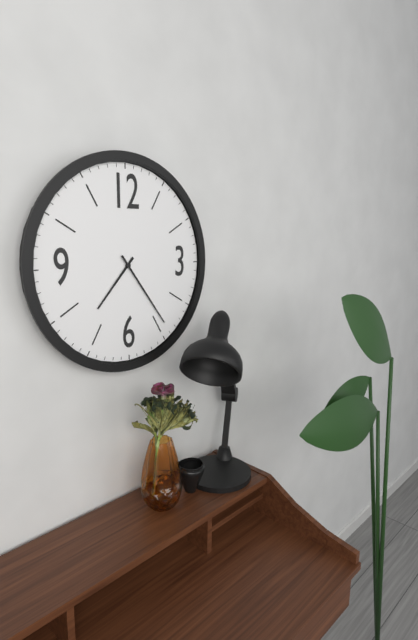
7,24
